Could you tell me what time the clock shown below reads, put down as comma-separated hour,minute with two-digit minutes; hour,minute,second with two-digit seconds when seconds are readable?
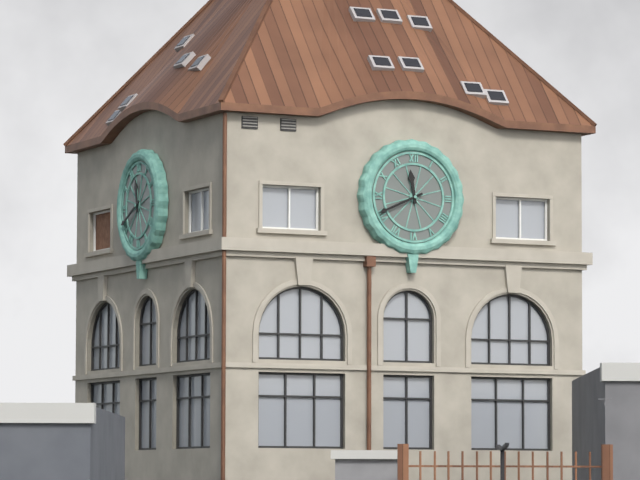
11,41
